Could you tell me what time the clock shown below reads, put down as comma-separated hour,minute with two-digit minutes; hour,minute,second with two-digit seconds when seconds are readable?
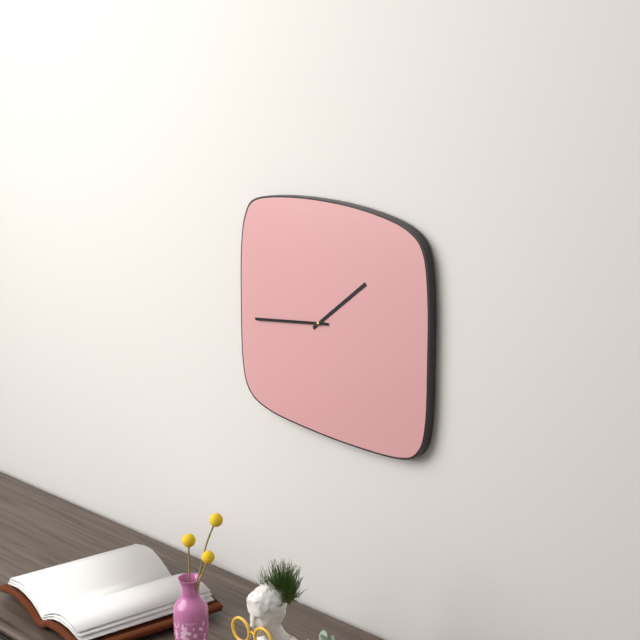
1,44
